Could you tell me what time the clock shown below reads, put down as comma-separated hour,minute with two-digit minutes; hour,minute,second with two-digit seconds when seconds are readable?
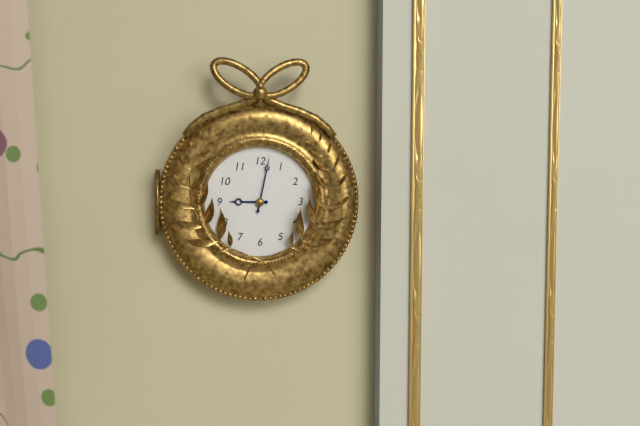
9,02
